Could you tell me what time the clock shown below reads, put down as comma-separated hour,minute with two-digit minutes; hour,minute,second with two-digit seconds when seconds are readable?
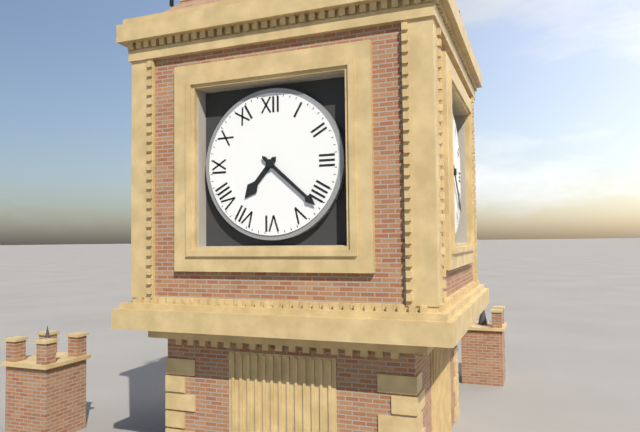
7,22
